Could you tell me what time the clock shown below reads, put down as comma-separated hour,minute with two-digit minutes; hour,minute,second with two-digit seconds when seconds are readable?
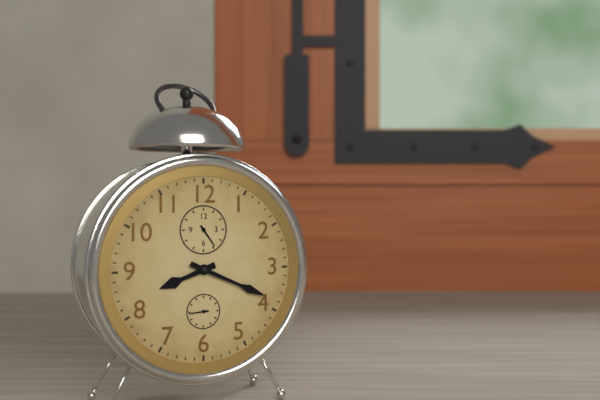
8,19
